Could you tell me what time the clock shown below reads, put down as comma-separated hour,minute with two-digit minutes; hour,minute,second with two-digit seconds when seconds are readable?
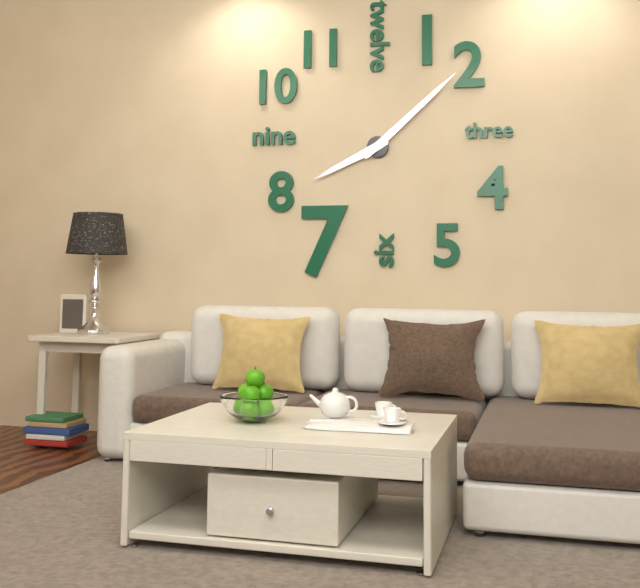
8,08
